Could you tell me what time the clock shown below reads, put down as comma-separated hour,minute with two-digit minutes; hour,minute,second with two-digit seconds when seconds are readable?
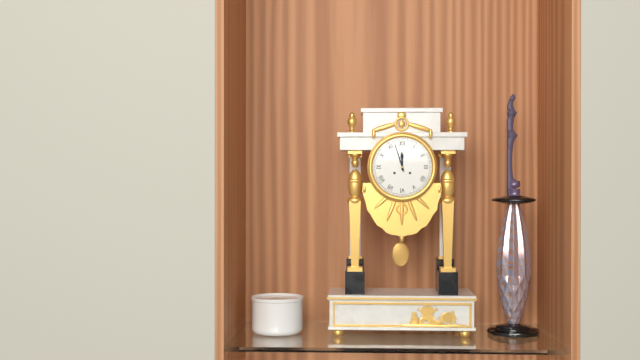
11,57
